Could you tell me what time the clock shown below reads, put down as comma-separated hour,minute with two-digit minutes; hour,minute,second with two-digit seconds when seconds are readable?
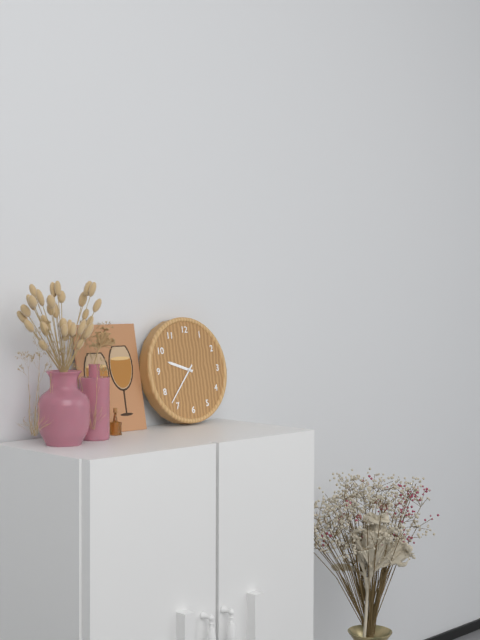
9,37
